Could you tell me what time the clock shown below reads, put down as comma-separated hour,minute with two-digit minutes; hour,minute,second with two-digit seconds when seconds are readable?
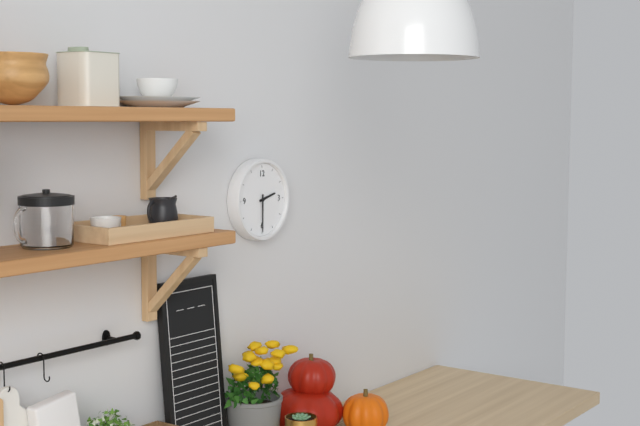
2,30
